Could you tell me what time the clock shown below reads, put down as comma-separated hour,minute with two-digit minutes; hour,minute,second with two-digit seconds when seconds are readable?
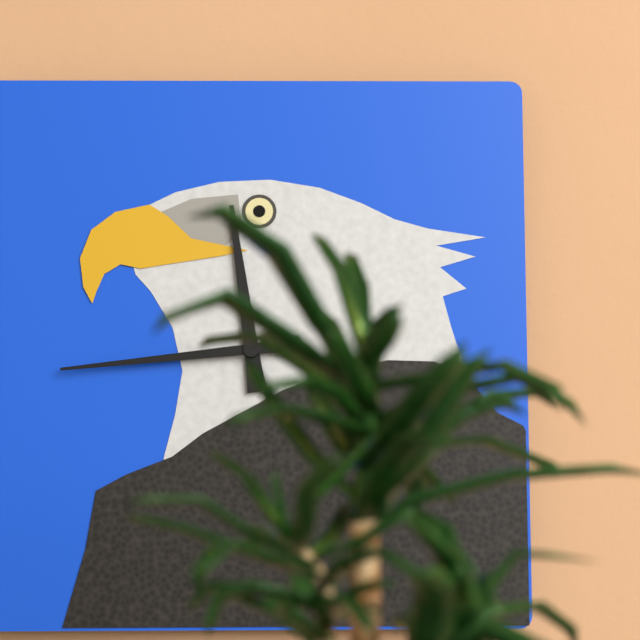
11,44
